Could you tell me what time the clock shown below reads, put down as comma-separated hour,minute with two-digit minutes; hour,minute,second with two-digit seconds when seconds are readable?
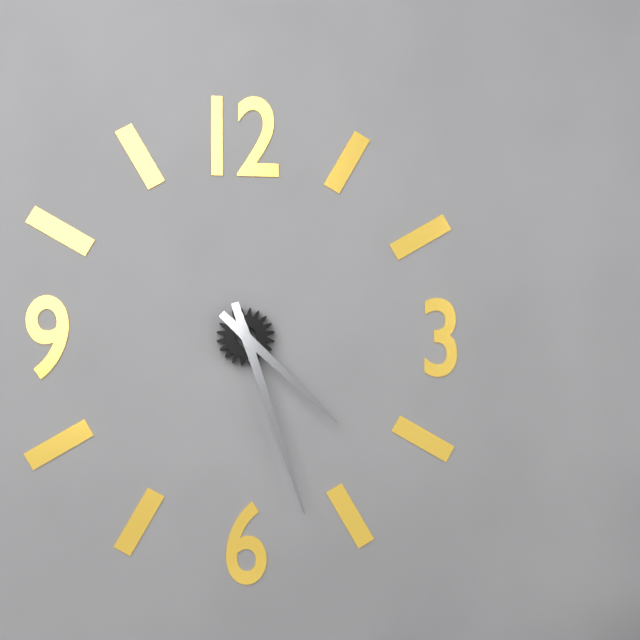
4,27
